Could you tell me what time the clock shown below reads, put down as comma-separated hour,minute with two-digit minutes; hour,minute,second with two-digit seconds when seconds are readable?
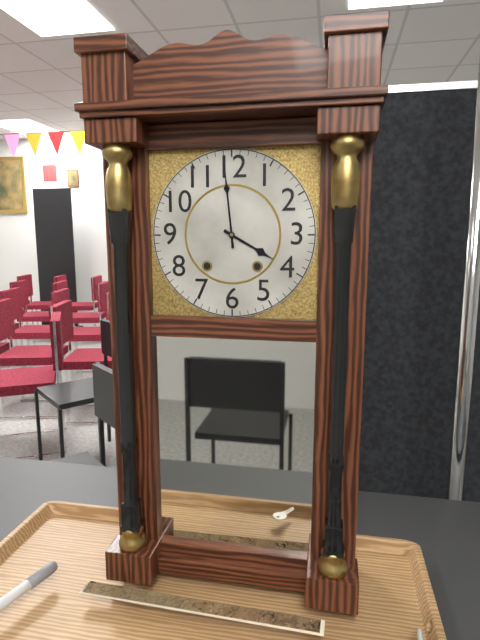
3,59
